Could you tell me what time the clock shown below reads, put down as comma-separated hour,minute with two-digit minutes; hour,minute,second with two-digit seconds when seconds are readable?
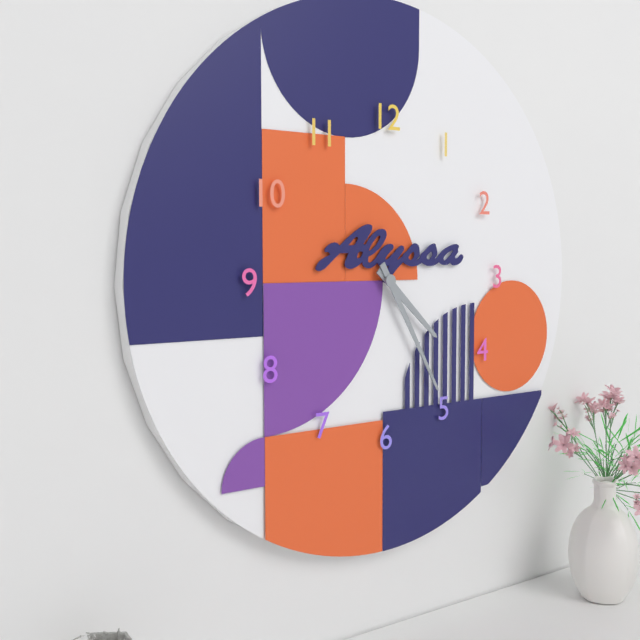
4,25
